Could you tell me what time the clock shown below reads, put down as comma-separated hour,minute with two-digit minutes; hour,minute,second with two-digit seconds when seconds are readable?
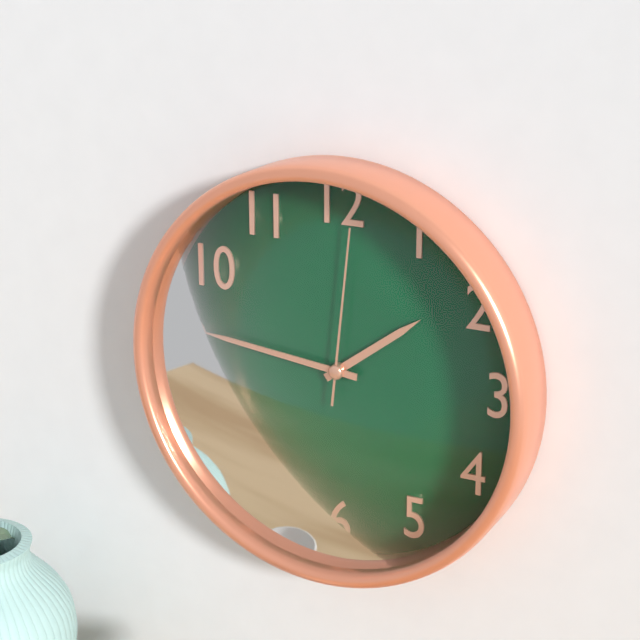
1,46,01
